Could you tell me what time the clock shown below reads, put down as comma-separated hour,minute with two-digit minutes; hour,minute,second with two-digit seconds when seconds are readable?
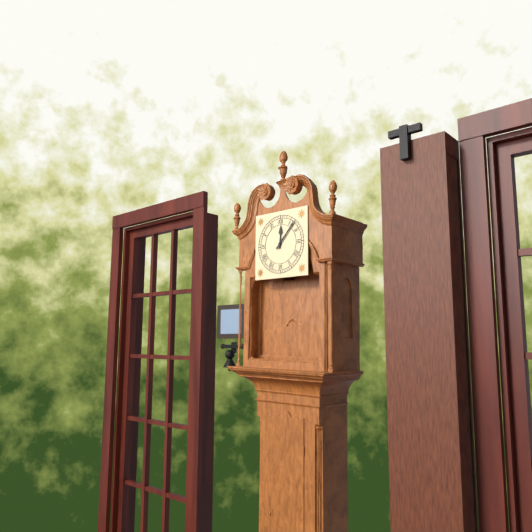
12,07
